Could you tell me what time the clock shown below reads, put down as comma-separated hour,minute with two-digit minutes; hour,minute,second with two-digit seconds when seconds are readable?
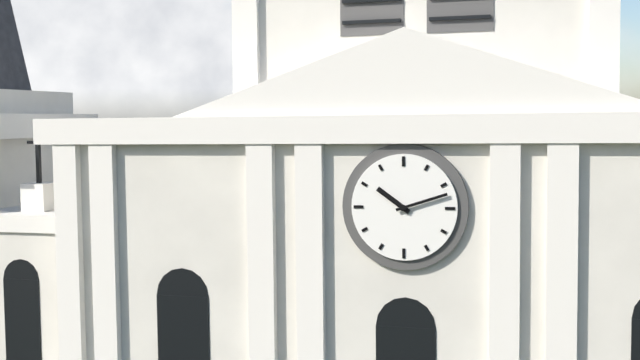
10,12
